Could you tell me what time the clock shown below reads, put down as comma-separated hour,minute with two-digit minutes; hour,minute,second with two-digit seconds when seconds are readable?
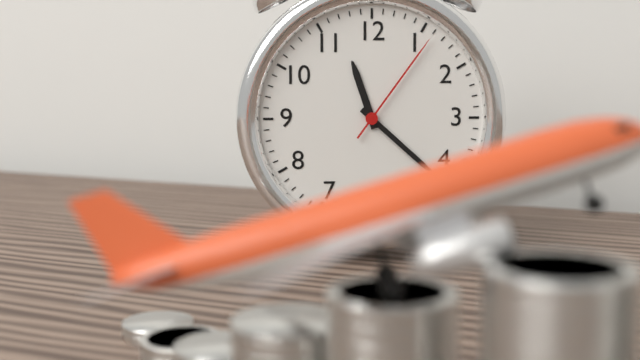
11,22,06
